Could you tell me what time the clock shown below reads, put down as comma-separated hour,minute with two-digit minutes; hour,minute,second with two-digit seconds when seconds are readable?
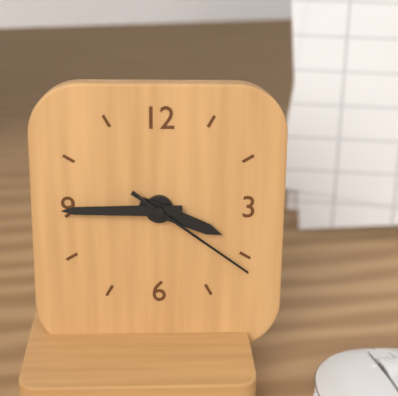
3,45,21
